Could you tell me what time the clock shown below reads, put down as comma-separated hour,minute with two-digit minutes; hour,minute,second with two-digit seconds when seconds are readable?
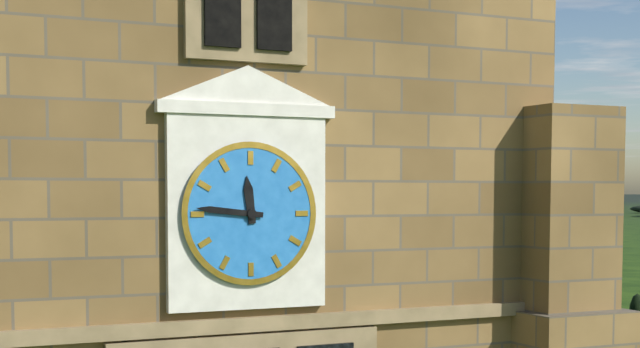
11,46
